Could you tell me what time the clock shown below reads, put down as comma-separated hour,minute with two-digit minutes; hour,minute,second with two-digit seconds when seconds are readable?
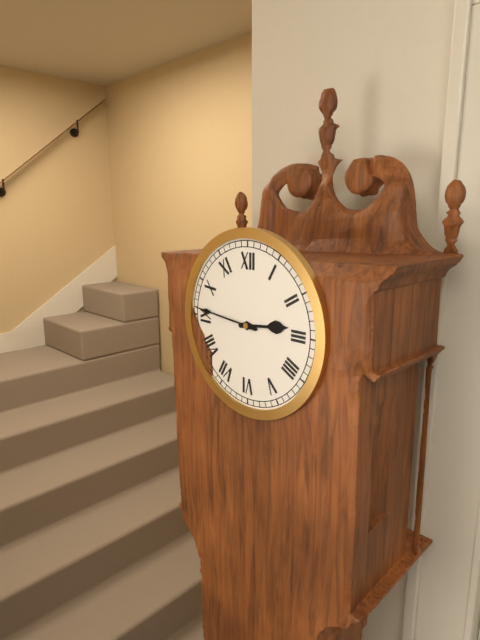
2,46
